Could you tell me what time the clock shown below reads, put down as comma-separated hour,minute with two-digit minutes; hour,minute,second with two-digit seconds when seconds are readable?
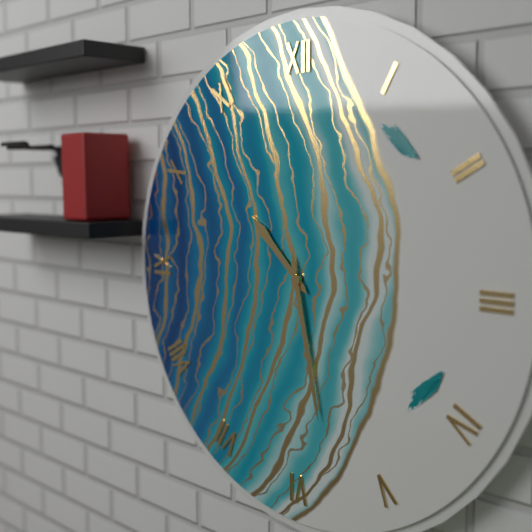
10,28
